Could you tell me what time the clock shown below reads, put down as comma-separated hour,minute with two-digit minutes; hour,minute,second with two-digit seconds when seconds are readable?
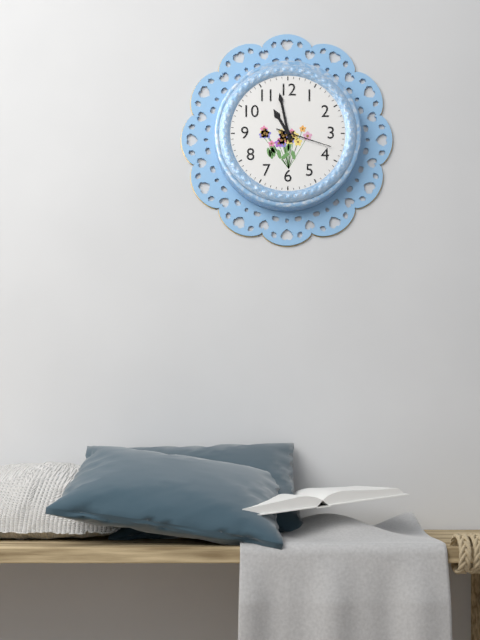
10,58,18
